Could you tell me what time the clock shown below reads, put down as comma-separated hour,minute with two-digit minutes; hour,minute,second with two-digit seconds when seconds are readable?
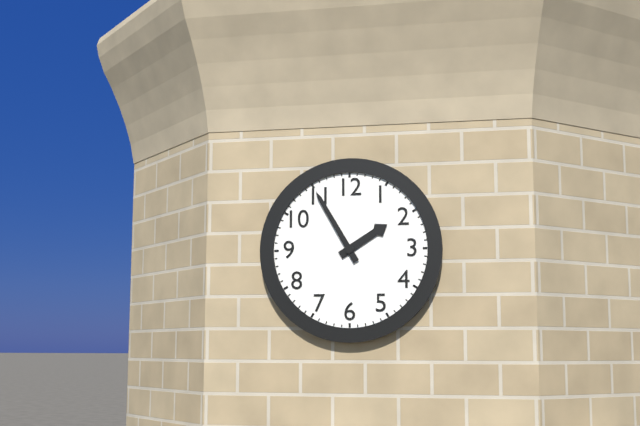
1,55
